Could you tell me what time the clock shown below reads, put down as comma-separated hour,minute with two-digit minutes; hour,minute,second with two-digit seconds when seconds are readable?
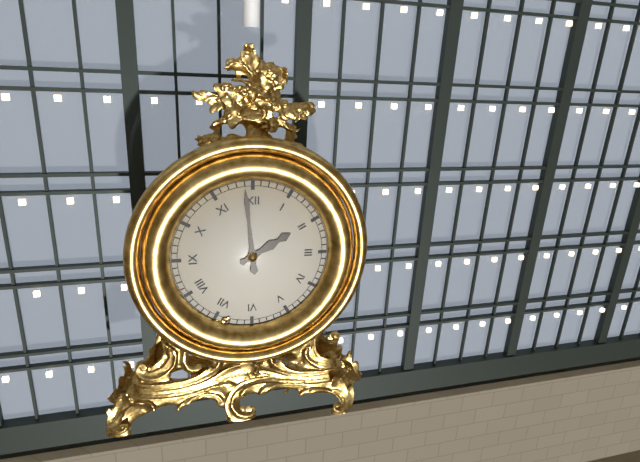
1,59
